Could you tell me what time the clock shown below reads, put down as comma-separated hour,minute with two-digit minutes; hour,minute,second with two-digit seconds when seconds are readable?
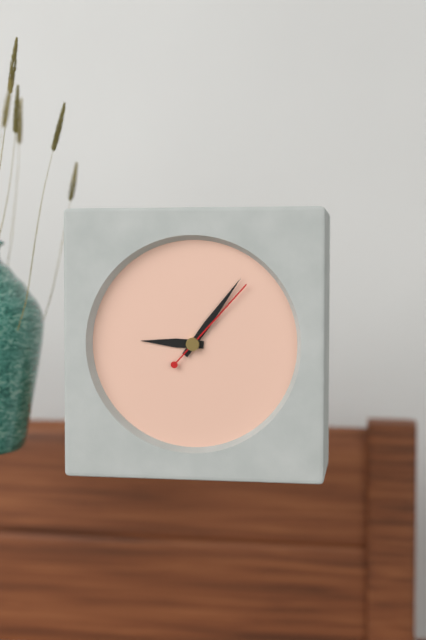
9,06,07
